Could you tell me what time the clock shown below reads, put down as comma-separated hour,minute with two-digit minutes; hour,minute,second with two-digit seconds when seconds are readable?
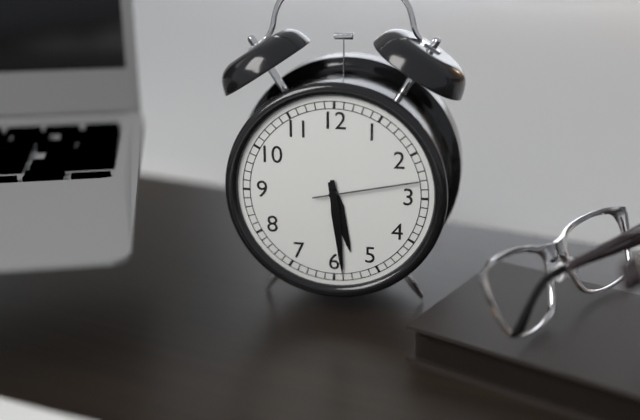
5,29,13
